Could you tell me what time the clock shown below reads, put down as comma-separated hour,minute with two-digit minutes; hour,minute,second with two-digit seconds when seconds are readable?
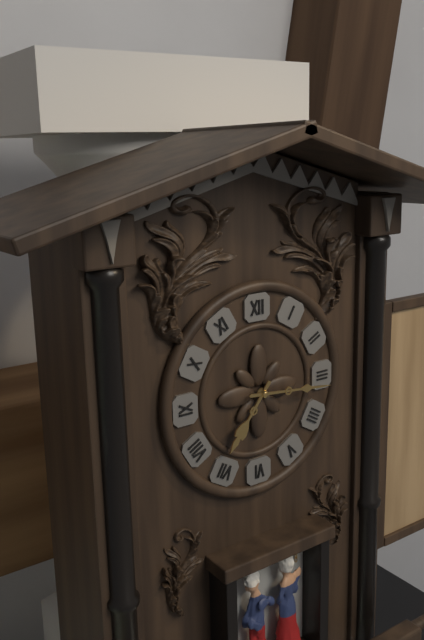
7,16
